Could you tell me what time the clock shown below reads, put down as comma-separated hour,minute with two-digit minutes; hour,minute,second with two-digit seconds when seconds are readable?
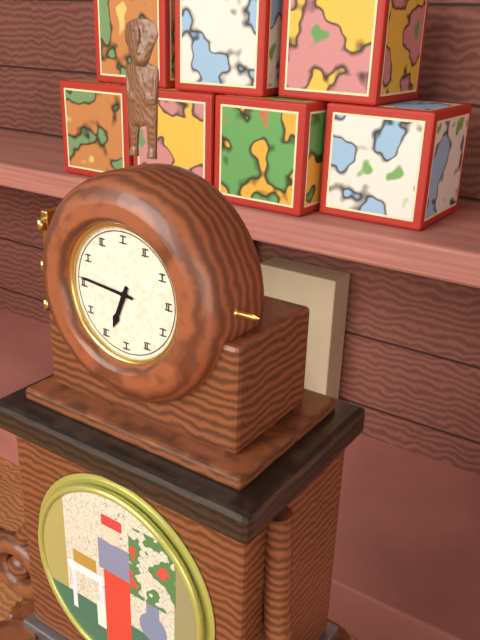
6,46
